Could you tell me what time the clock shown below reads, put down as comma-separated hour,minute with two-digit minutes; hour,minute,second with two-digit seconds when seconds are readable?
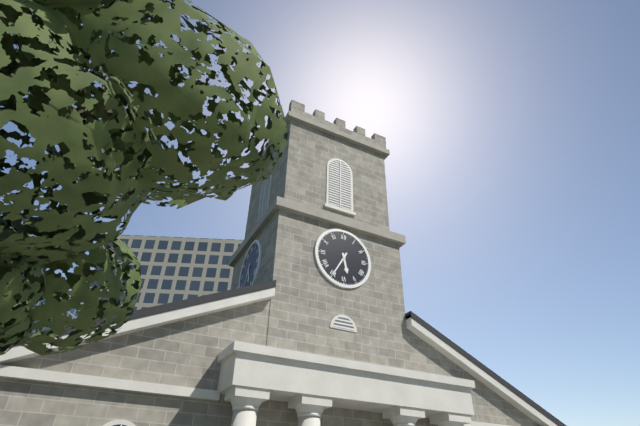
5,35
